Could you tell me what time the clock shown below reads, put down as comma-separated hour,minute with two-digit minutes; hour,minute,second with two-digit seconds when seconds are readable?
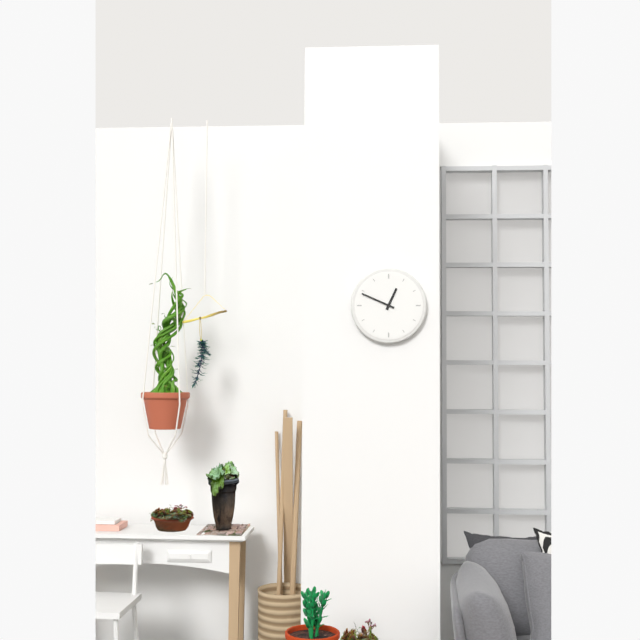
12,49
